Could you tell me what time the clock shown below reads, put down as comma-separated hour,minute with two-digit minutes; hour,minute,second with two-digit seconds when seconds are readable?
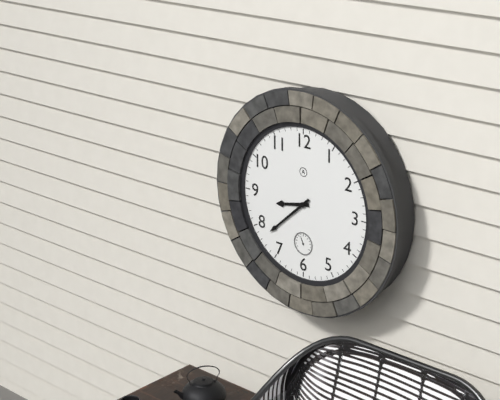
8,38
